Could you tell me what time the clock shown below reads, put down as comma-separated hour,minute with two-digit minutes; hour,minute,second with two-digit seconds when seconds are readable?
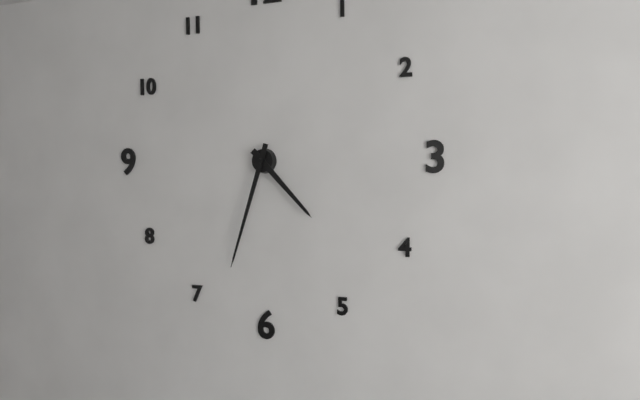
4,33
